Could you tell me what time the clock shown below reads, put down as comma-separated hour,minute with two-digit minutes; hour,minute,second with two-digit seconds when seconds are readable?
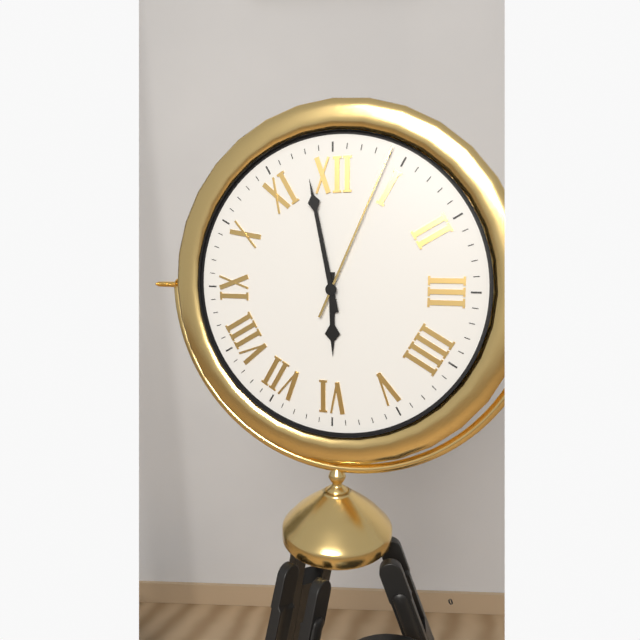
5,58,04
